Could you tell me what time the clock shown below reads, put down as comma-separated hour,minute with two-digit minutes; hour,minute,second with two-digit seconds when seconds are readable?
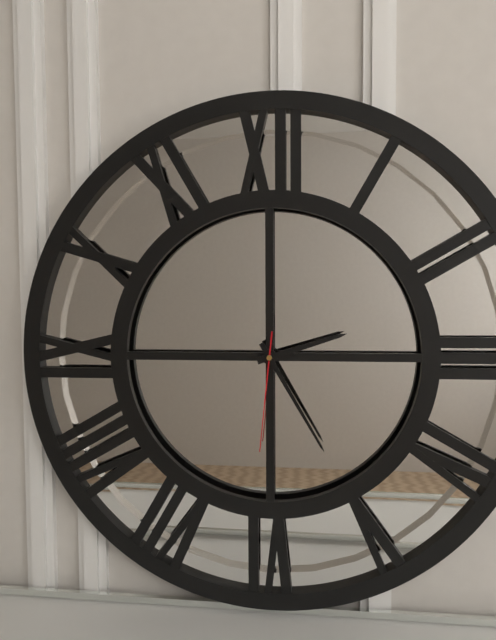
2,25,31
